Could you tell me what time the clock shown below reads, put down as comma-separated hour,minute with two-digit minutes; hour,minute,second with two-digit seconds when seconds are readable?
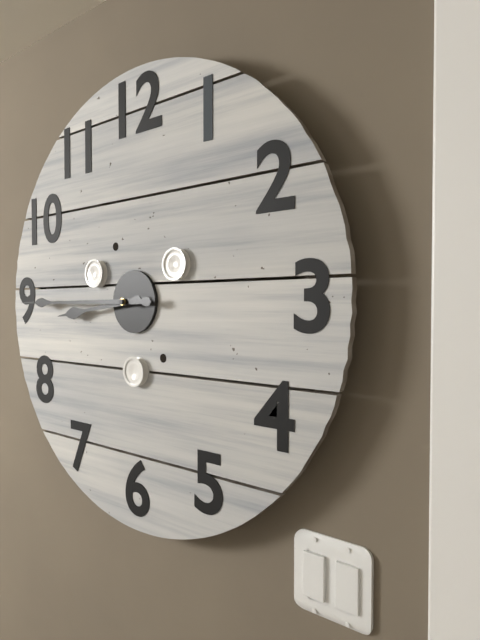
8,45
